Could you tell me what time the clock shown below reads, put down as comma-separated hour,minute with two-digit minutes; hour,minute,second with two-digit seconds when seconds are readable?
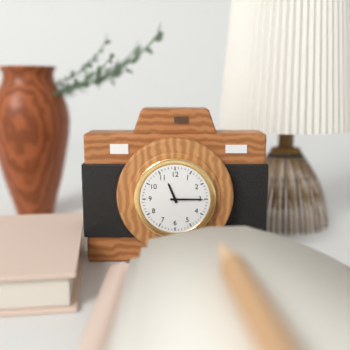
11,15
